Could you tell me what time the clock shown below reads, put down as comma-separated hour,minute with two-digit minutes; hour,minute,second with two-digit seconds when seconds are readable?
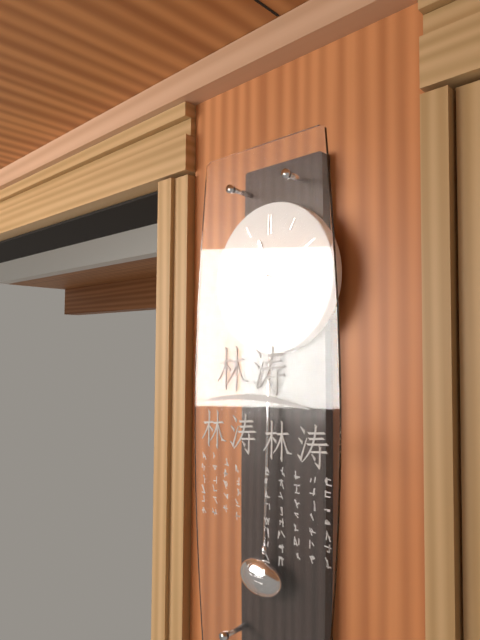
11,20
